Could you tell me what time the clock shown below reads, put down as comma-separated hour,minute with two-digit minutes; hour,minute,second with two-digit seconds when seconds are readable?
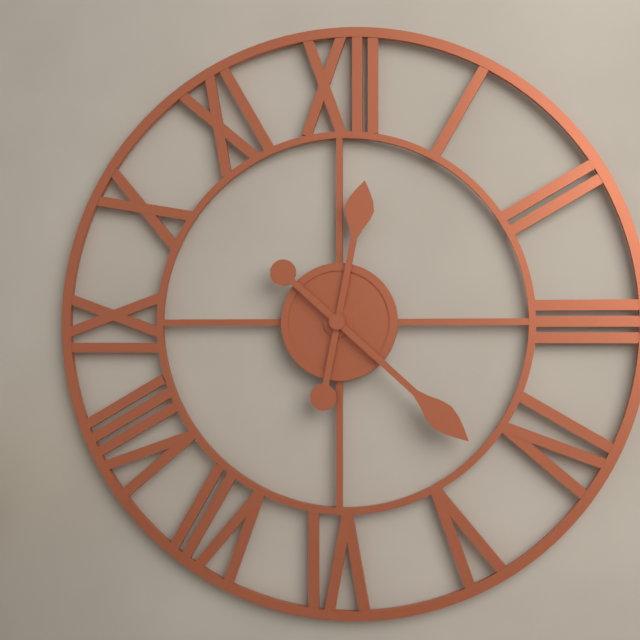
12,22
